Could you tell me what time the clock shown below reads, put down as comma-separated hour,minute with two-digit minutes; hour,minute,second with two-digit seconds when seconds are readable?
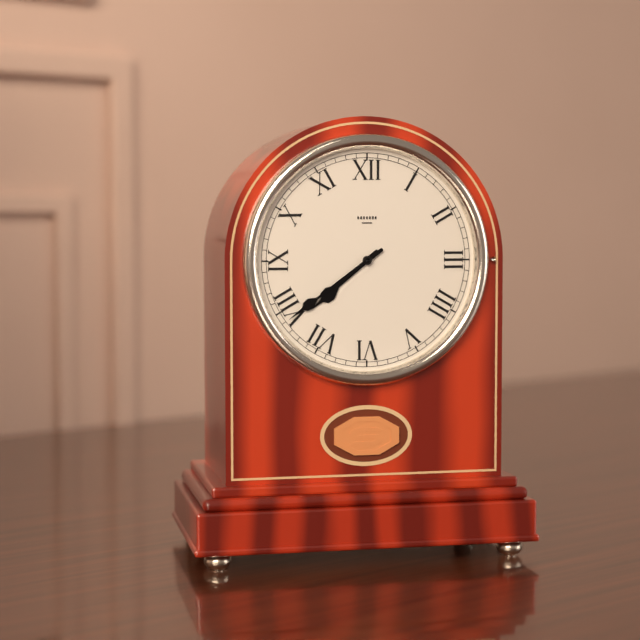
7,39
